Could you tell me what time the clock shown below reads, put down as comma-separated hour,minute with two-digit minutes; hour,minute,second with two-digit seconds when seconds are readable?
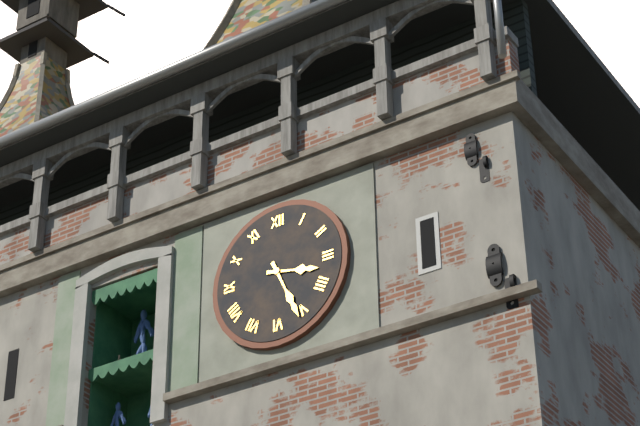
3,26
